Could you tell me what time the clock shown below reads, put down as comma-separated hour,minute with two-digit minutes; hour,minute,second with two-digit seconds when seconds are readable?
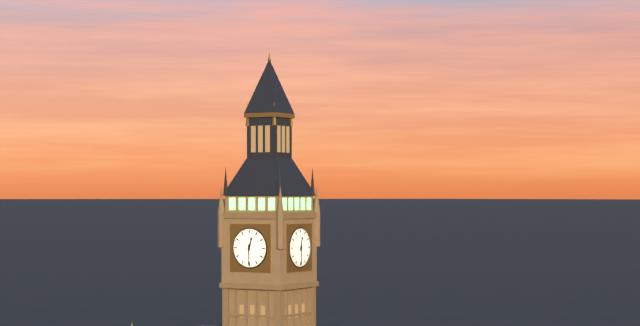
12,30
